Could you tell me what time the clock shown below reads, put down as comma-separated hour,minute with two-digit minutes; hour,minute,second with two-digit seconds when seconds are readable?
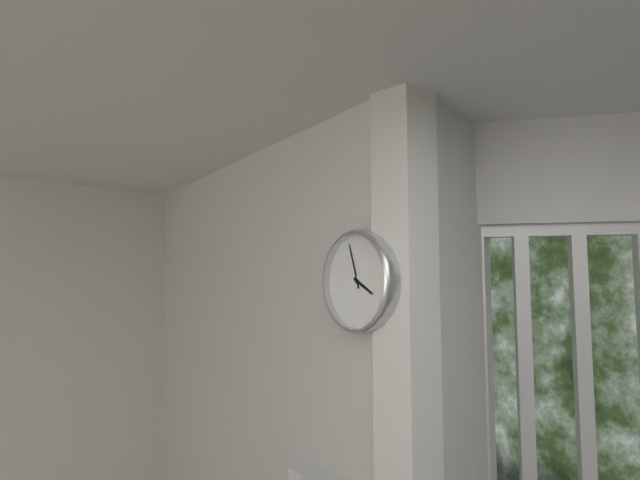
3,57
